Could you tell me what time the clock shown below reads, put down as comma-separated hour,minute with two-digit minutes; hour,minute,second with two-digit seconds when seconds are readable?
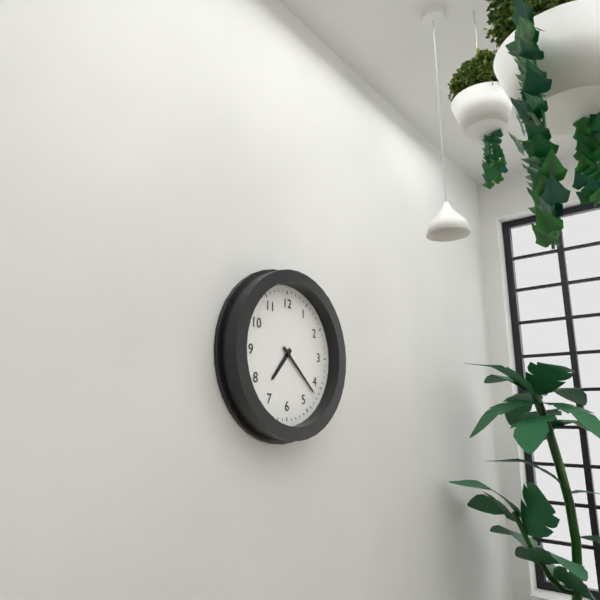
7,22
